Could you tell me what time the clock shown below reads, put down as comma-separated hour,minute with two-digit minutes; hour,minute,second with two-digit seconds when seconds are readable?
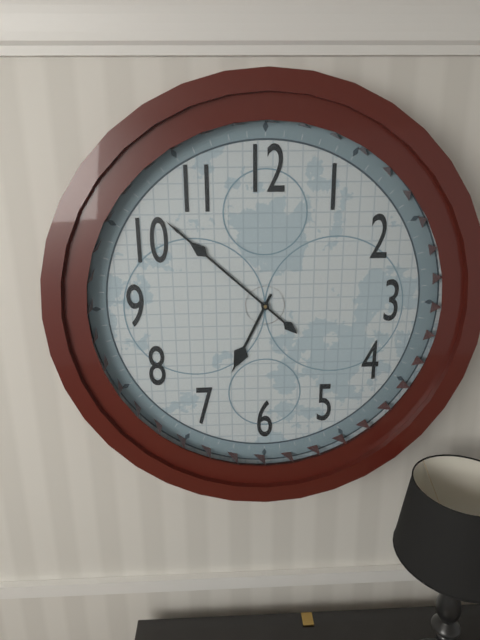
6,52
